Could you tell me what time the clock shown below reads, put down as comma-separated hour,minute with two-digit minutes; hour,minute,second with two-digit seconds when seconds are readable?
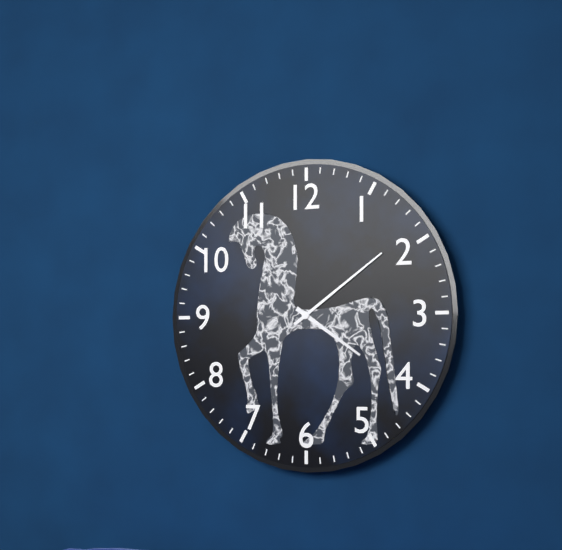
4,09
